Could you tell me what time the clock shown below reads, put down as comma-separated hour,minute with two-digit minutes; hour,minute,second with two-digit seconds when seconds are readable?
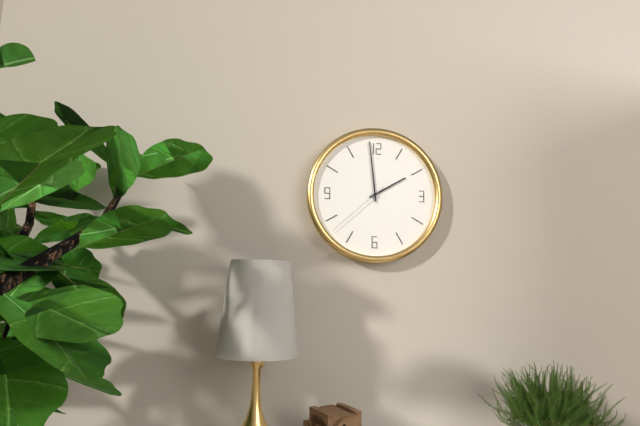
1,59,38
